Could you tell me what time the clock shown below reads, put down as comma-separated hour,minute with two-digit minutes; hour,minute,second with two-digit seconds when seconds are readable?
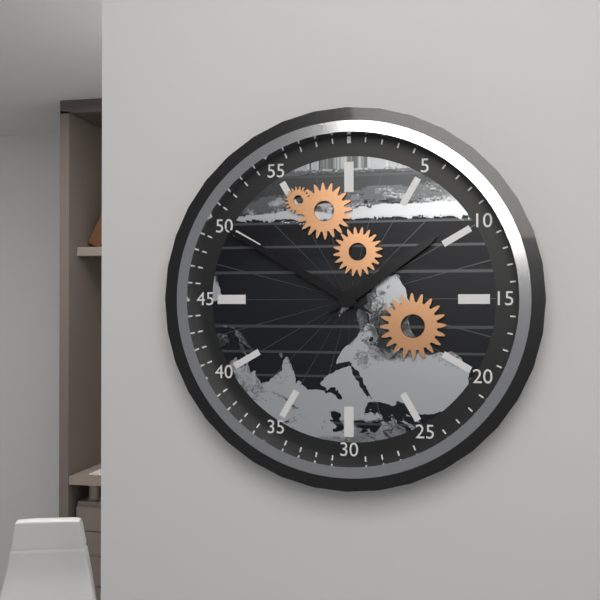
1,50
